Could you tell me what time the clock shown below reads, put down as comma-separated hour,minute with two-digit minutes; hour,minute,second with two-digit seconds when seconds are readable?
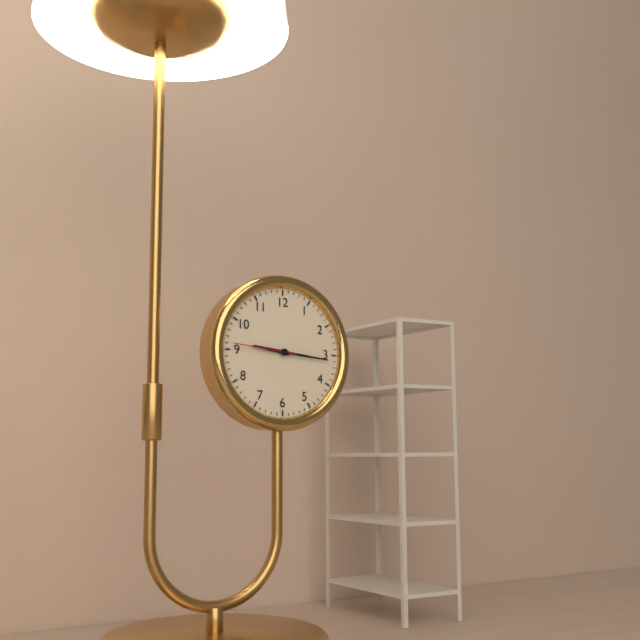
9,16,46
